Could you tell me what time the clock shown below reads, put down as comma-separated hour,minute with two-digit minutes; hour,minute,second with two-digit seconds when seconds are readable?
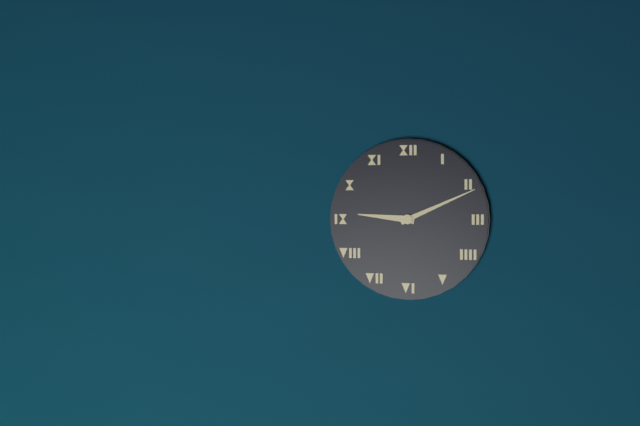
9,11
